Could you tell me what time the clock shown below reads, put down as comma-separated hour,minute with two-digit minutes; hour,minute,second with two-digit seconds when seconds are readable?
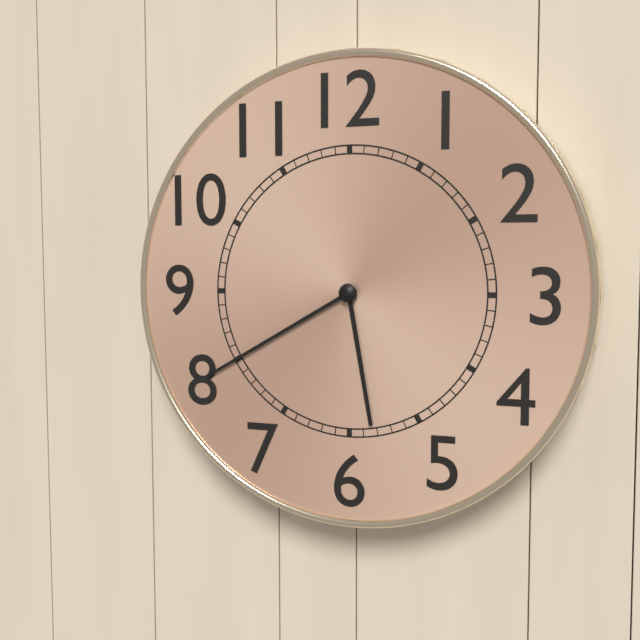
5,40
